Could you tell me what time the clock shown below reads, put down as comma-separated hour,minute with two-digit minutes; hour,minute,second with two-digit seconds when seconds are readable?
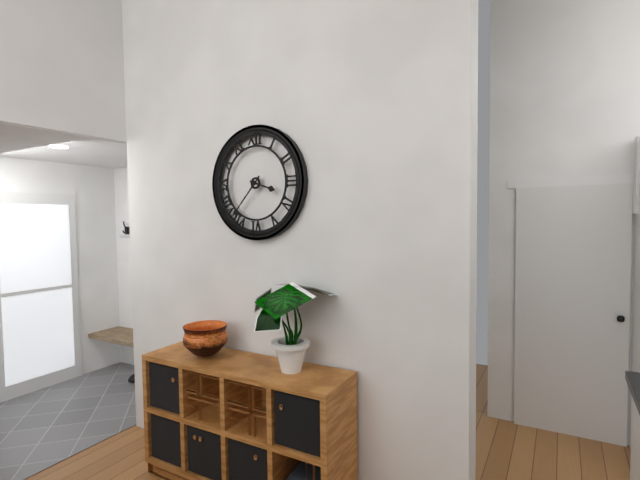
3,37
